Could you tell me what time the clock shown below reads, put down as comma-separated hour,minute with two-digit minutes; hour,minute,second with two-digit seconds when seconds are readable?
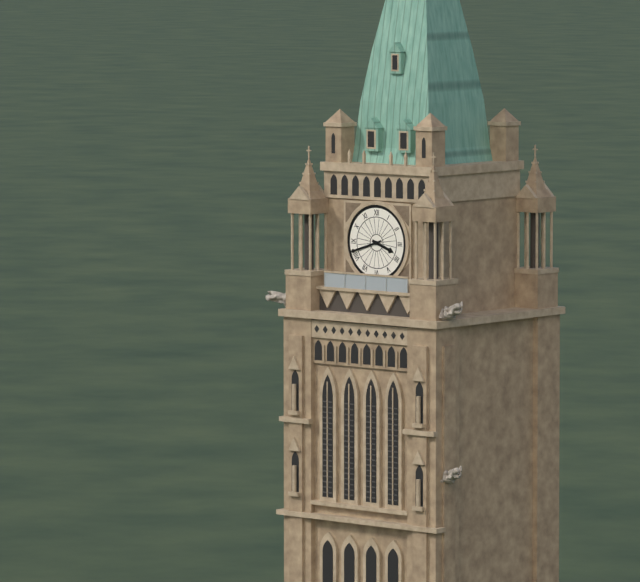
3,42
